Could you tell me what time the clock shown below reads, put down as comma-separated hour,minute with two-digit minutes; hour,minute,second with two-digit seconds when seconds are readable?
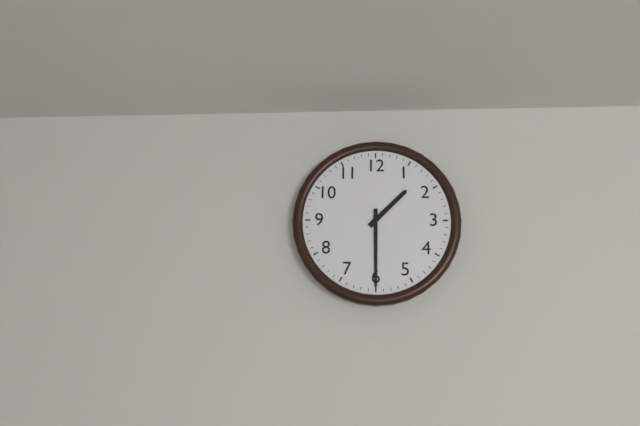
1,30
